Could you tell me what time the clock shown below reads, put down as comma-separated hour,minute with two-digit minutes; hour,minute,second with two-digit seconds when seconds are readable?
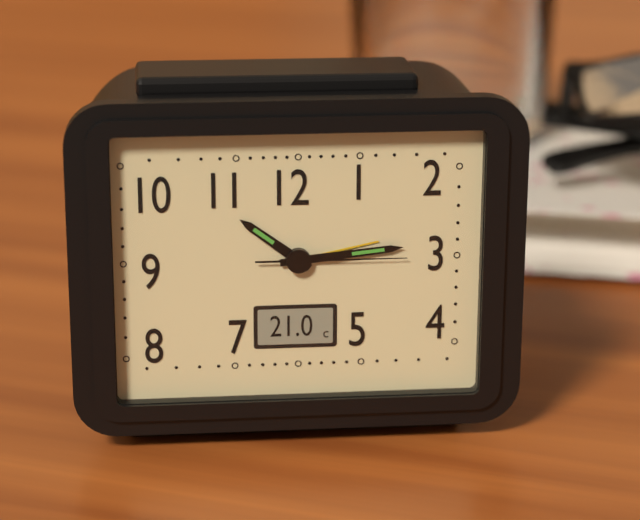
10,14,15
